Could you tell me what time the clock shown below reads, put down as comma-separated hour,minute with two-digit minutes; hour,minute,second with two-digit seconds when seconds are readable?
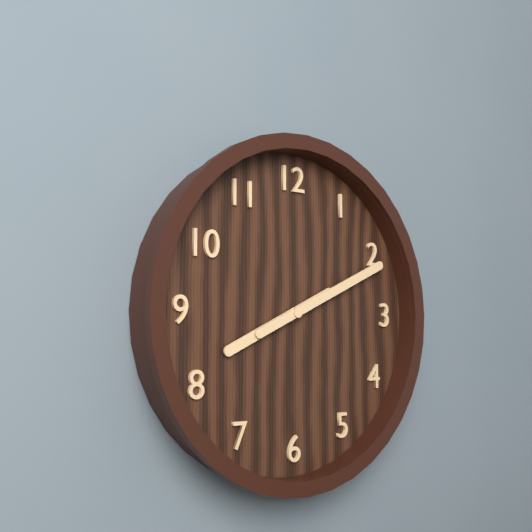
8,11
